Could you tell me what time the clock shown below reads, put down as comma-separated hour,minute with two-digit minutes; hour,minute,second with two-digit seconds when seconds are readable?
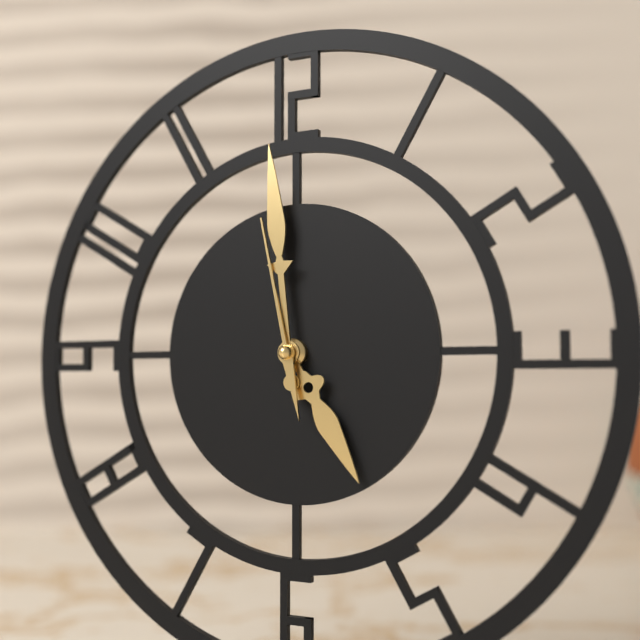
4,59,58
